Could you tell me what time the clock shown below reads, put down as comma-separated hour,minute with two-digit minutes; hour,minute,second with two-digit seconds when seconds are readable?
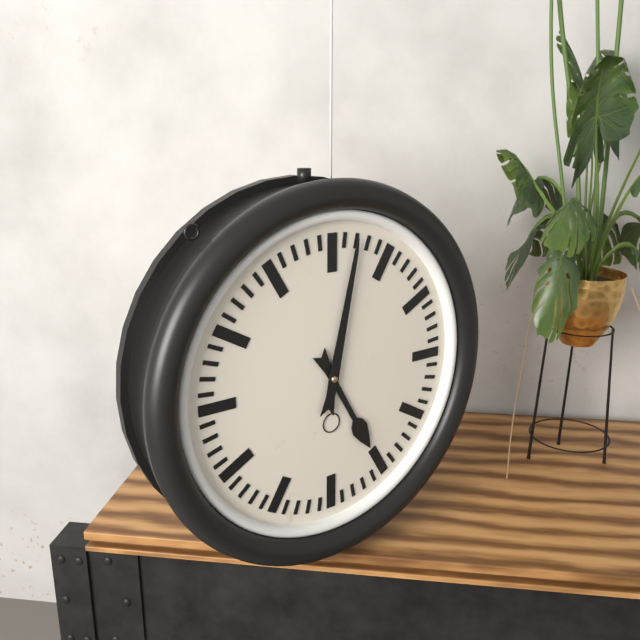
5,02
